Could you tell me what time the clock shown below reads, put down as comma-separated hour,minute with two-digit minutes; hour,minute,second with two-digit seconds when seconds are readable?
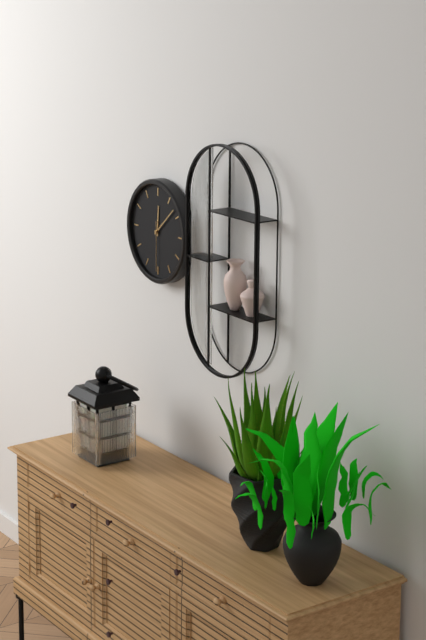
12,08,30
